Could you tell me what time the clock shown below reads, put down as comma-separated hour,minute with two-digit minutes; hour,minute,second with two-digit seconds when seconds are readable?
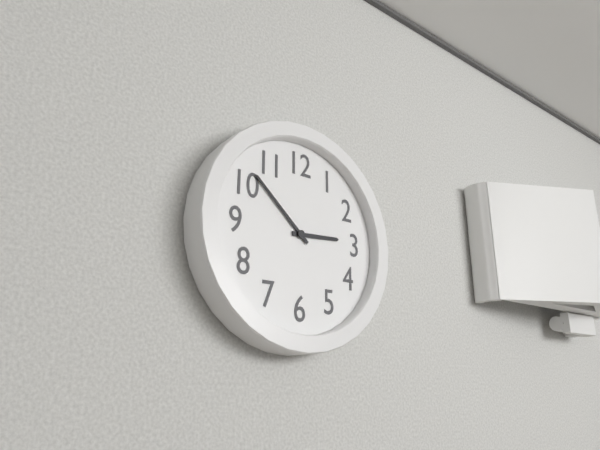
2,52
